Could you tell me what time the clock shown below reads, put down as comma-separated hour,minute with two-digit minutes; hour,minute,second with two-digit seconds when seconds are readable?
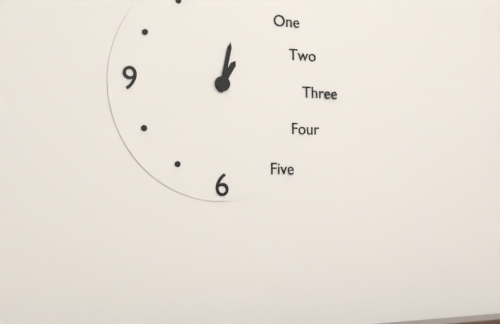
1,02
